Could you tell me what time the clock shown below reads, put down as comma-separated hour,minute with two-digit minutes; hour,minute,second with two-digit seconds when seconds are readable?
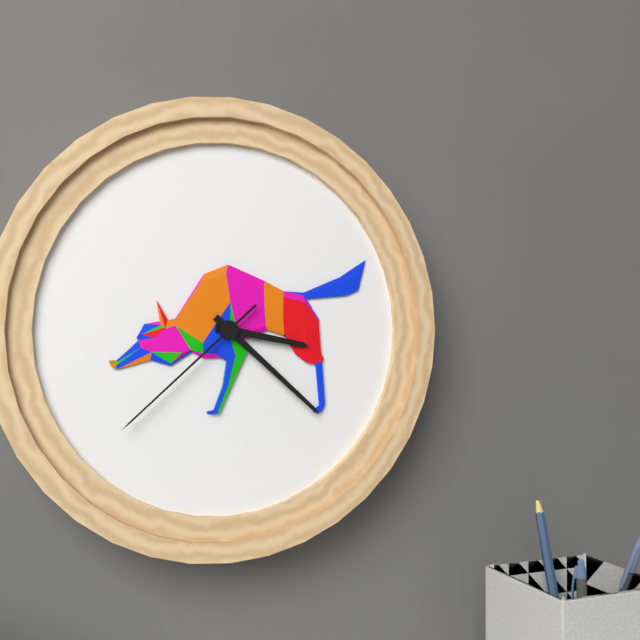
3,22,38
